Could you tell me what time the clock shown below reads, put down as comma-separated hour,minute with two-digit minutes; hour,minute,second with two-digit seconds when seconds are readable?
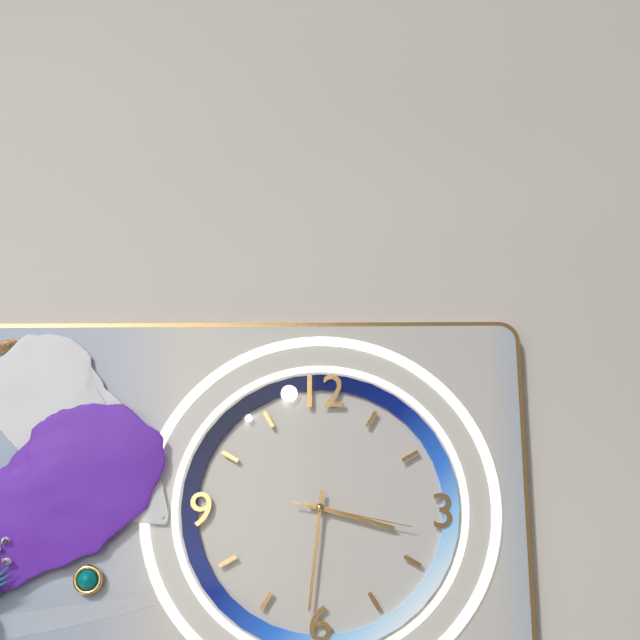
3,31,17
